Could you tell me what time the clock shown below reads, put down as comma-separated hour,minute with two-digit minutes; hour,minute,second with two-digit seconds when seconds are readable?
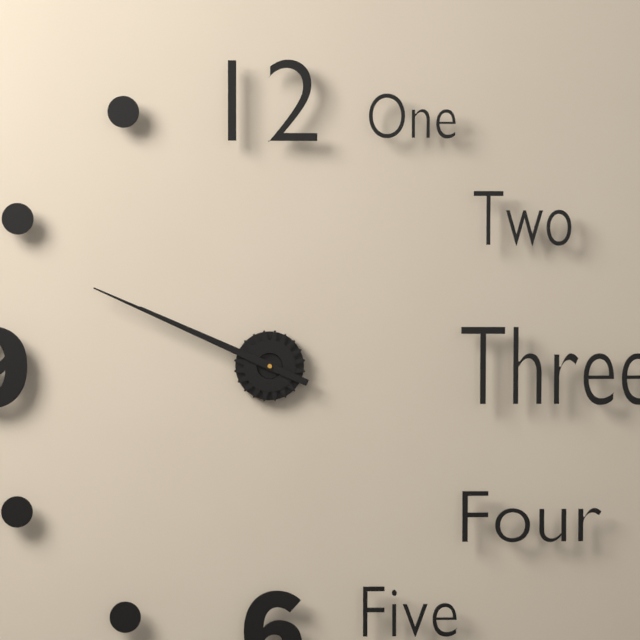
9,49
